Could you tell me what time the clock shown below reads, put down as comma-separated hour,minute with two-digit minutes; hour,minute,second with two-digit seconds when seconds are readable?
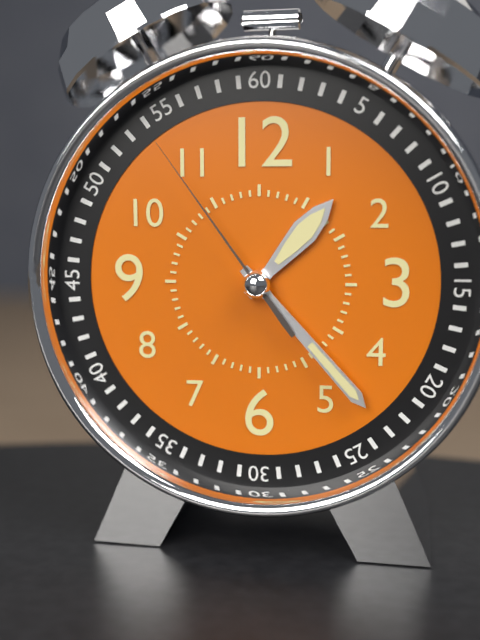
1,23,54
